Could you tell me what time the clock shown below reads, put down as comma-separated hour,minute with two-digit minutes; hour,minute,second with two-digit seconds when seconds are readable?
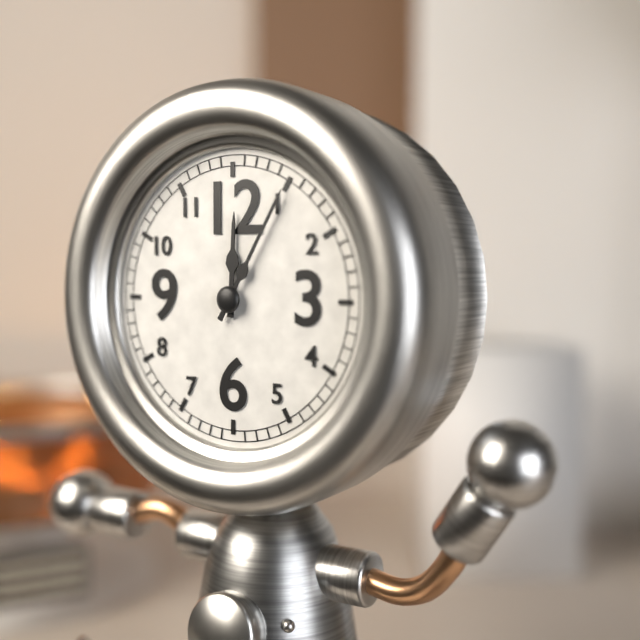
12,05
